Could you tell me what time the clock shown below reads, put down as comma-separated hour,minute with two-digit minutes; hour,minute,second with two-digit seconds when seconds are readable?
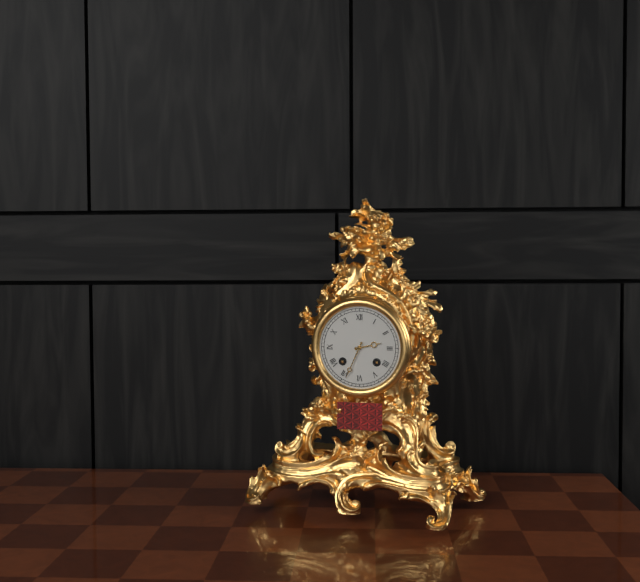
2,34
